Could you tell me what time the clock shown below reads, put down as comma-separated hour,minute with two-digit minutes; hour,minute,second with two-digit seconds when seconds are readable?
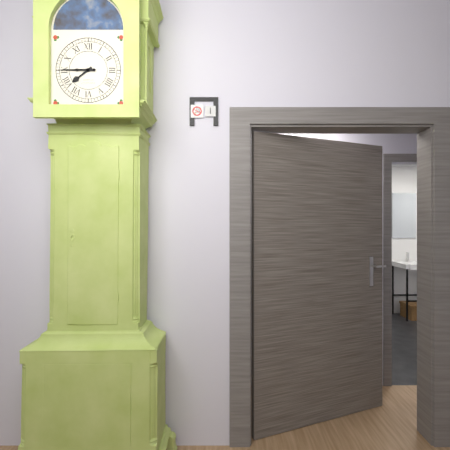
7,45
